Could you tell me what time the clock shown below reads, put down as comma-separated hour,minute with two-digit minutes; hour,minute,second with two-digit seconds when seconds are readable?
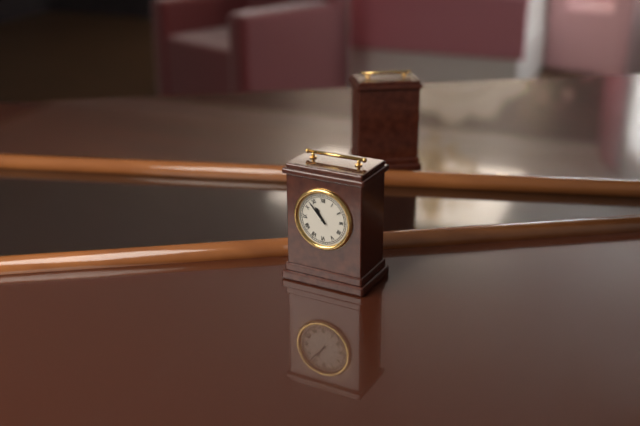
10,53
